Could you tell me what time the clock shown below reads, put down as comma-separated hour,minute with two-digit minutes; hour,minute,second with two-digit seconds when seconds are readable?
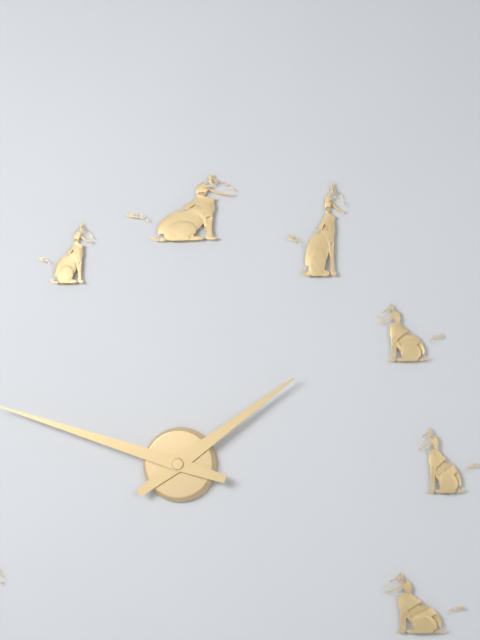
1,48
